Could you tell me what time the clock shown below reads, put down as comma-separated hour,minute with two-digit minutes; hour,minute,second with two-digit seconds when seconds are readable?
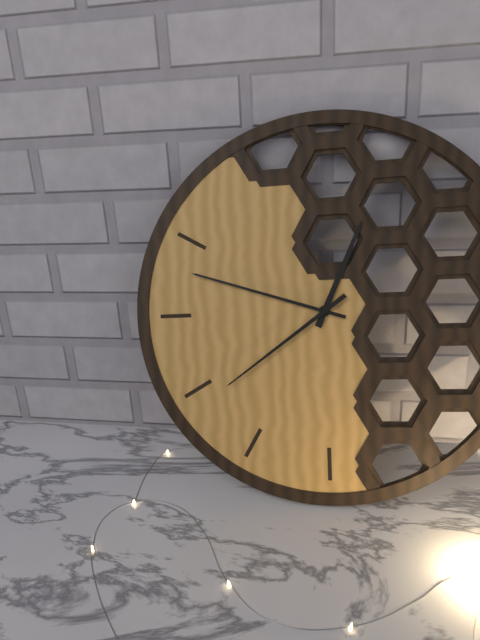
12,48,39
